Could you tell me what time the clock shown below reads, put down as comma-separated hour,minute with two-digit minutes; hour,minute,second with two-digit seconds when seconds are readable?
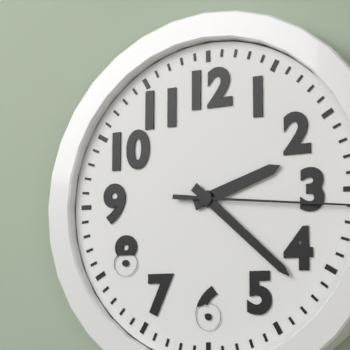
2,22,16
